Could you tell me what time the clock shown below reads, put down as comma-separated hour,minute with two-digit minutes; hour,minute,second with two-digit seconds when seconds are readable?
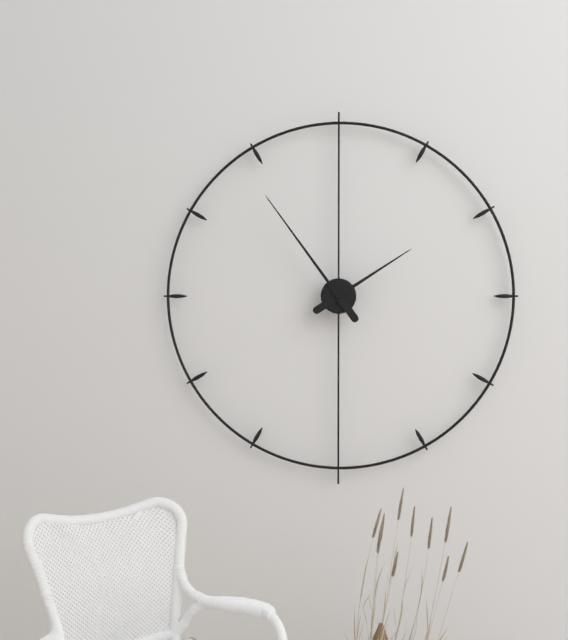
1,54
